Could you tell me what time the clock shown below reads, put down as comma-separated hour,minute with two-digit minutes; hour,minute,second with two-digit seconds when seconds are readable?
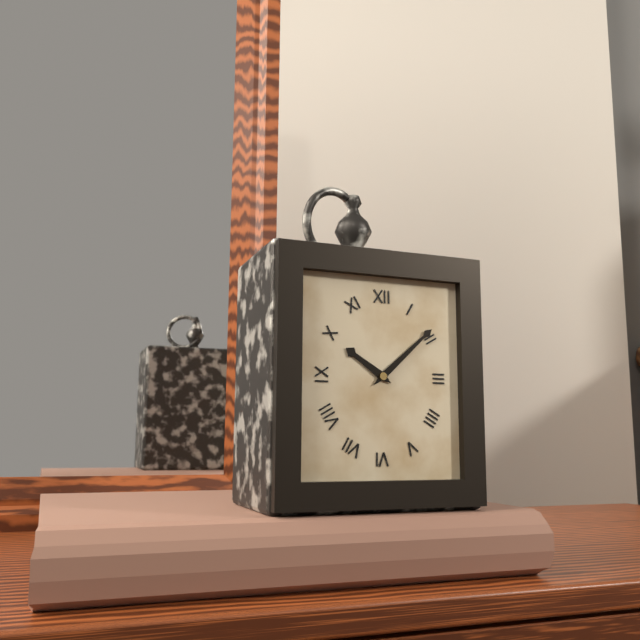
10,08
